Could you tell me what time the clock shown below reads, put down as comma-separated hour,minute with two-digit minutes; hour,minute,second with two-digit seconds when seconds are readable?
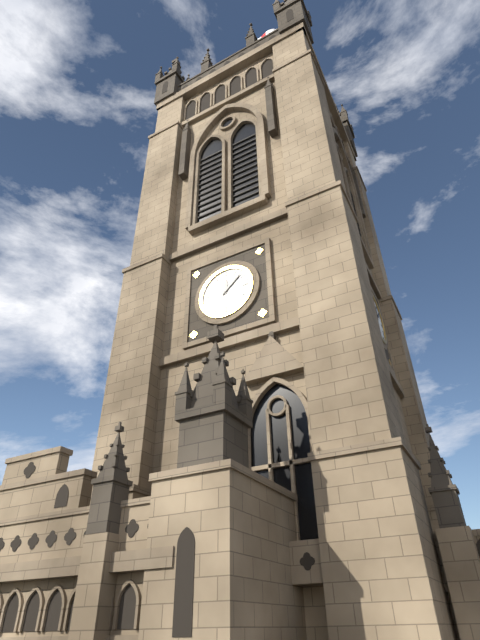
12,08
